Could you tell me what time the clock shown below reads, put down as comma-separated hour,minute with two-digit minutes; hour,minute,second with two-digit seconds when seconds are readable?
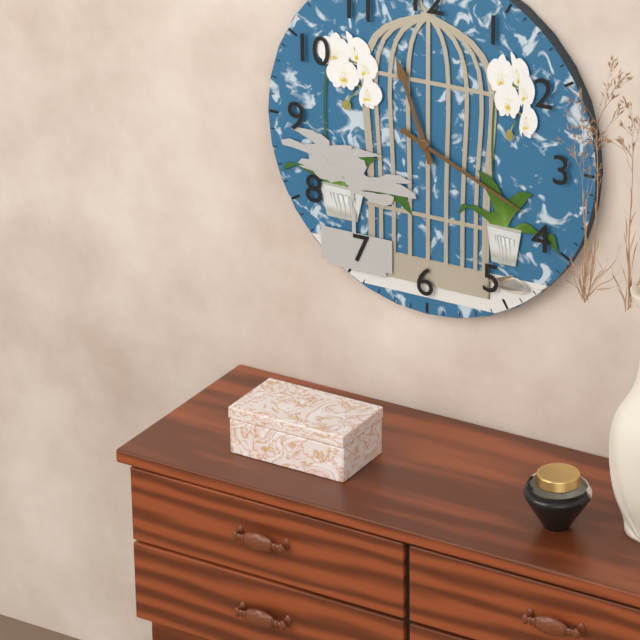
11,19
